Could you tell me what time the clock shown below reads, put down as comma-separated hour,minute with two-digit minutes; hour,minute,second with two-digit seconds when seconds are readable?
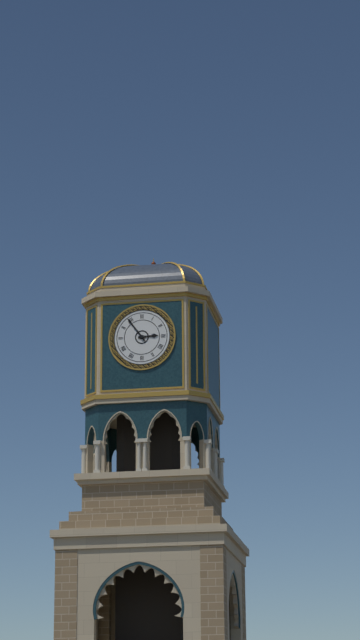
2,54
